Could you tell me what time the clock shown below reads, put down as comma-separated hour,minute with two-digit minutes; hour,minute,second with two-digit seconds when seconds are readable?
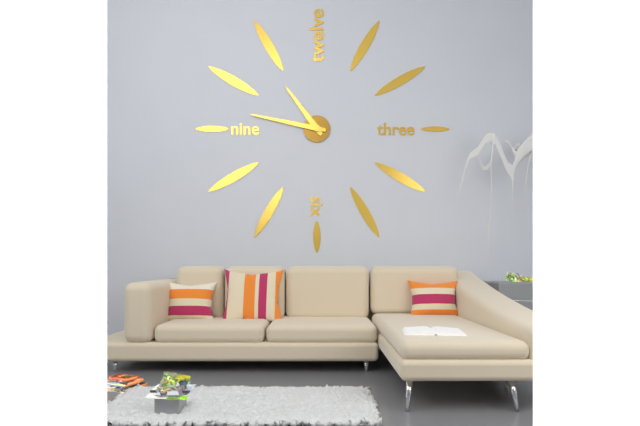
10,47
